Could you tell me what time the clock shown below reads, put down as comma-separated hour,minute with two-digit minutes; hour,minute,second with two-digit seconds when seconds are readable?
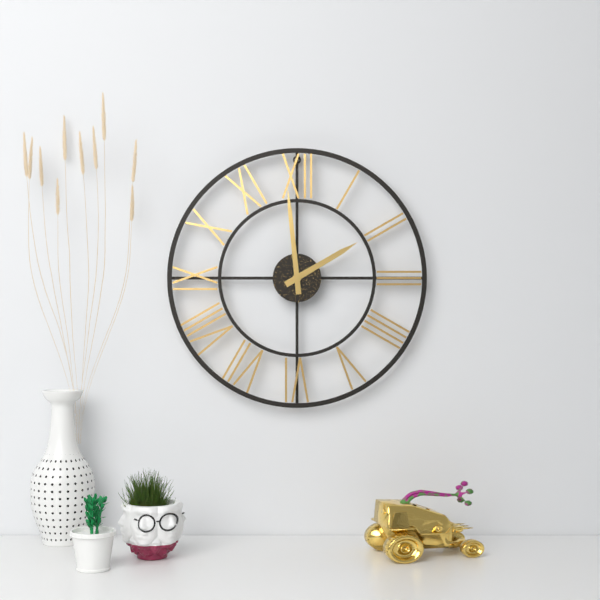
1,59
